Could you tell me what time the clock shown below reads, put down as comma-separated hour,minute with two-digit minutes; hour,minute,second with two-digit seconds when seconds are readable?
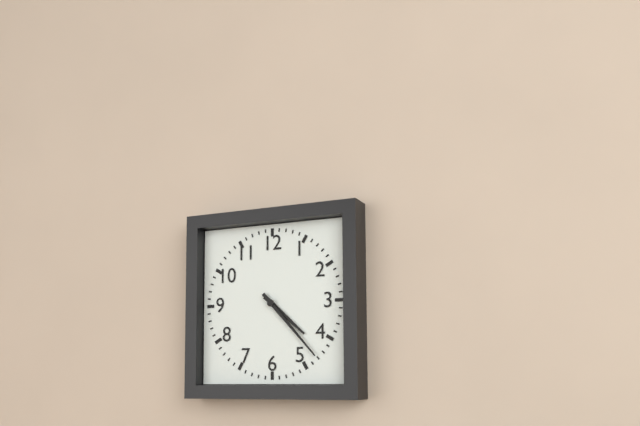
4,23
